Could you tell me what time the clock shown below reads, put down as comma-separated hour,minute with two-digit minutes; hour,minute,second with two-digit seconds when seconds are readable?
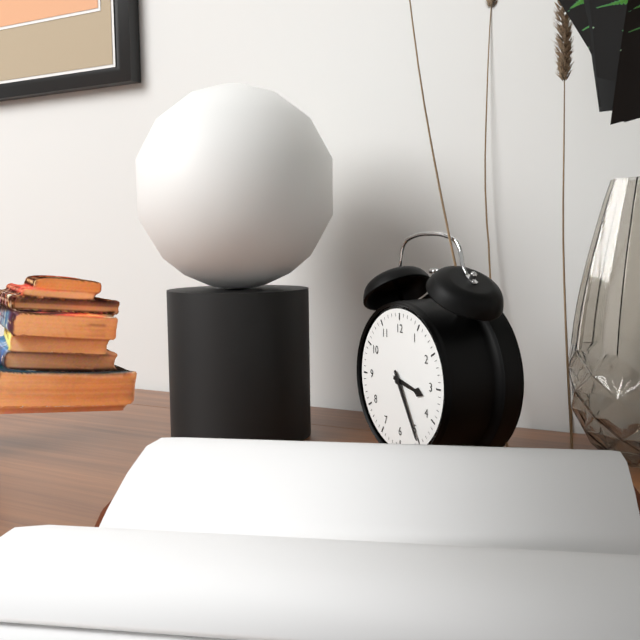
3,25
